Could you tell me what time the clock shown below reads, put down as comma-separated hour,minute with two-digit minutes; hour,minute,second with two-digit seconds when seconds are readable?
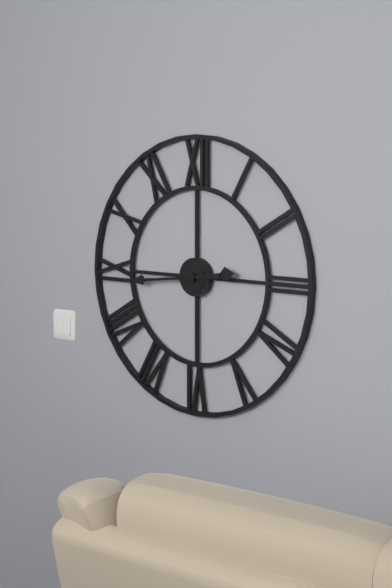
2,44
